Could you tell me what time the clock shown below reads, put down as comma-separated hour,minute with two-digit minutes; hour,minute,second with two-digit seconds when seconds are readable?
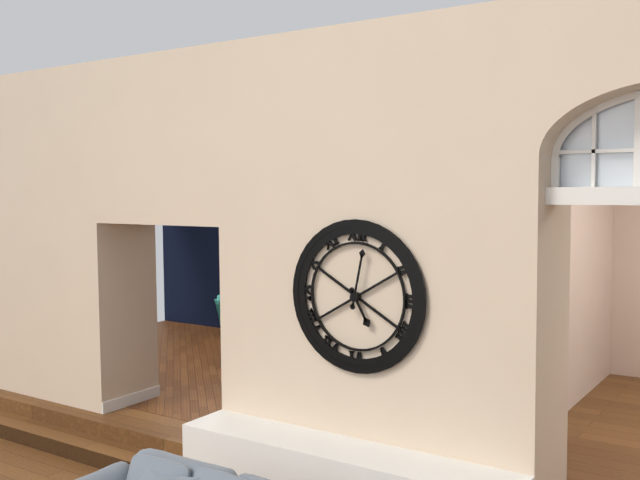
5,02
